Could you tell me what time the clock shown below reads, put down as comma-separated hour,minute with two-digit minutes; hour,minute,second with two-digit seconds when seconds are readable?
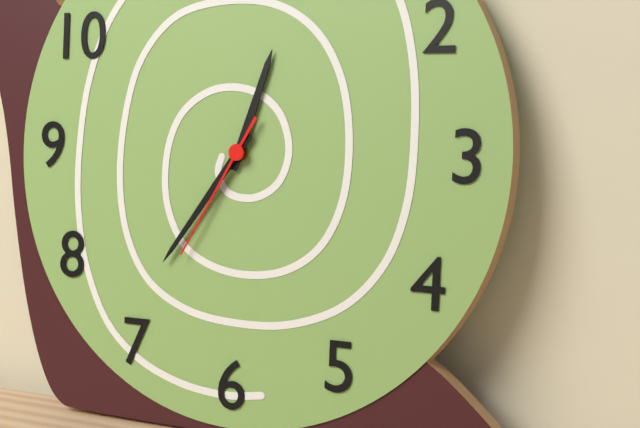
12,36,35
